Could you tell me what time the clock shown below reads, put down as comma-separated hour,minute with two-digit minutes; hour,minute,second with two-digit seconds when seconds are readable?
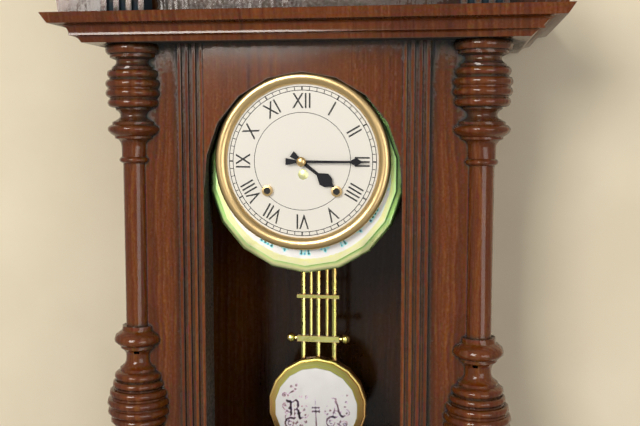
4,15
